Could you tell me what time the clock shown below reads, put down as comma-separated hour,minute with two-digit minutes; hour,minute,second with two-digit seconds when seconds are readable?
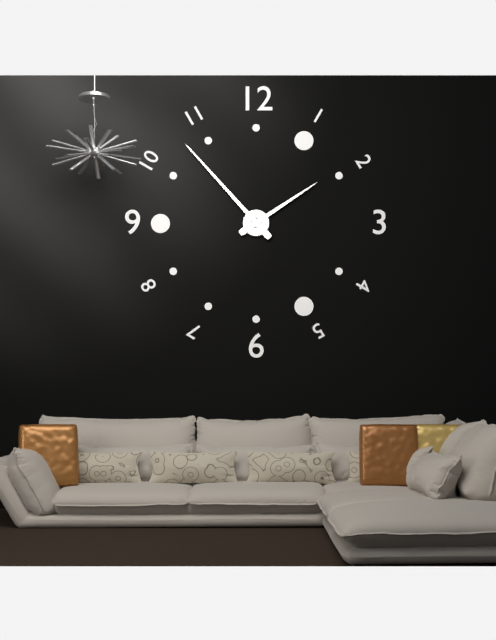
1,53
